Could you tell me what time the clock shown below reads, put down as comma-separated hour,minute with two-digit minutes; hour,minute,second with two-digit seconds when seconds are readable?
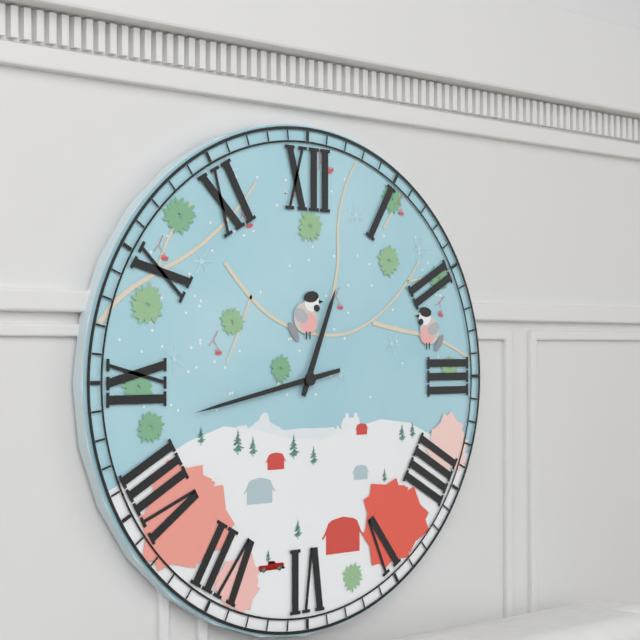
12,43
